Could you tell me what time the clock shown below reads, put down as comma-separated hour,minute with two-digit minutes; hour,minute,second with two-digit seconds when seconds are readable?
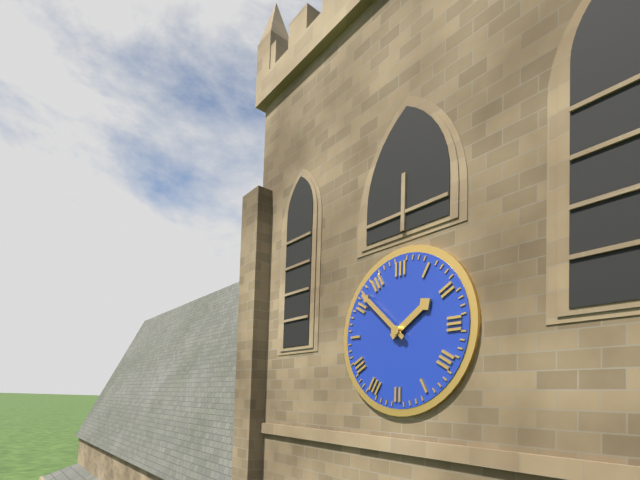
1,52
